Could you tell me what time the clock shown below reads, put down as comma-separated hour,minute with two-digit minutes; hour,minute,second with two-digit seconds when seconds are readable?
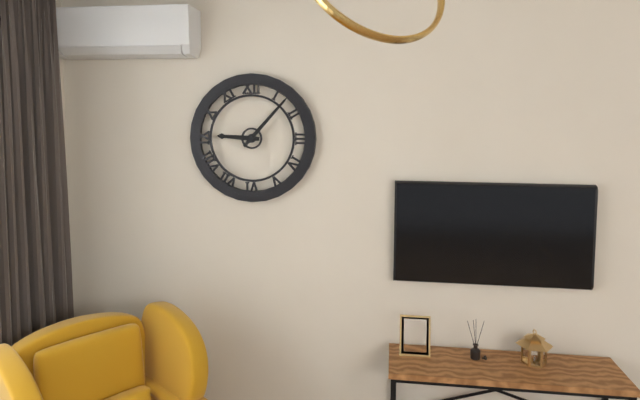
9,07
